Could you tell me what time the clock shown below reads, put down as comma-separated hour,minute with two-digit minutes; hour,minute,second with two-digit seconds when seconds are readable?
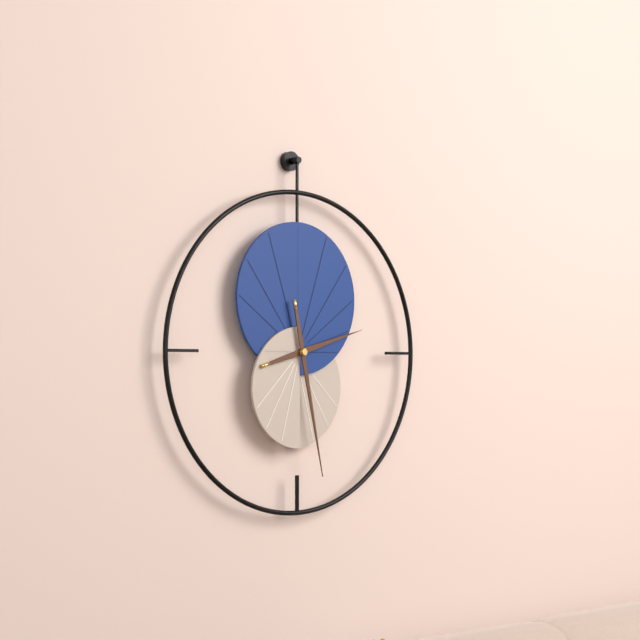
2,28
